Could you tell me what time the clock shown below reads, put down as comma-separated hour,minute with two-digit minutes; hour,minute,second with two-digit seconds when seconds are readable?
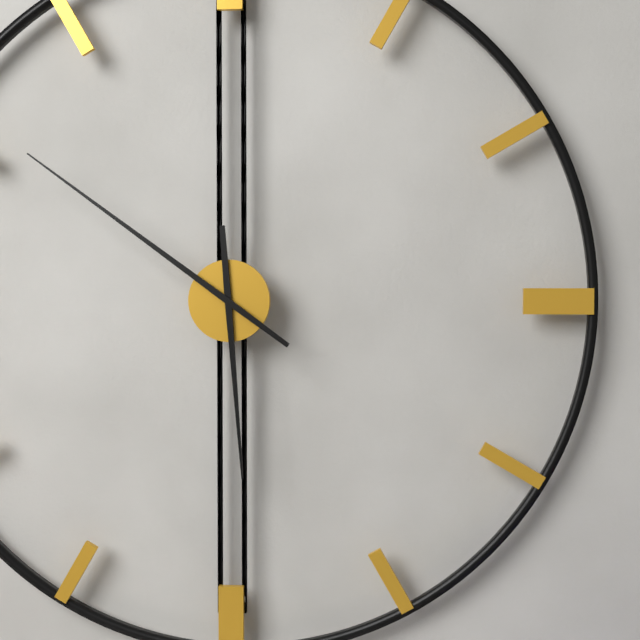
5,51
